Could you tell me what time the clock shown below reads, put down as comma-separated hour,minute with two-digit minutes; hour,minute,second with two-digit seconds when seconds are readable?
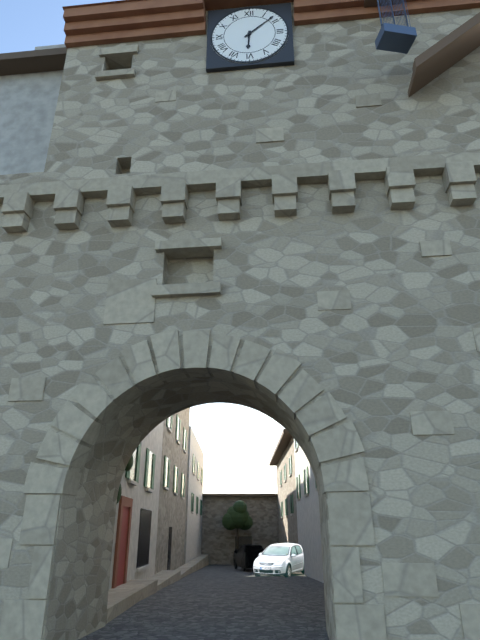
6,08
